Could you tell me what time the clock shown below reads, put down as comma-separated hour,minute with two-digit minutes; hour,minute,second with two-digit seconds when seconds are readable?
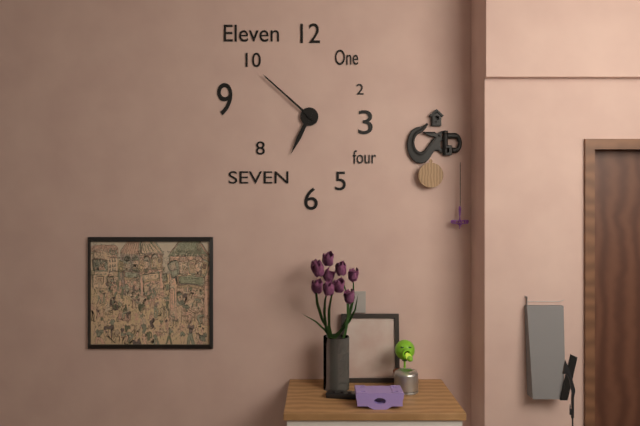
6,52
